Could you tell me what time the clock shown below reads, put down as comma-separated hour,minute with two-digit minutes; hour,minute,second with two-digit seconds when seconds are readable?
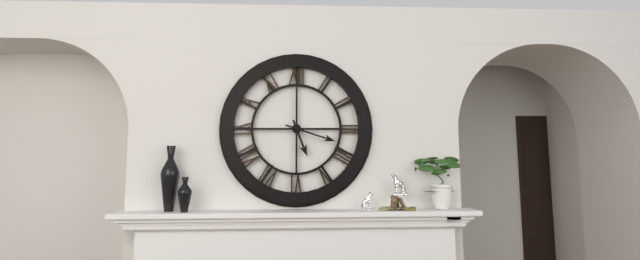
5,18
